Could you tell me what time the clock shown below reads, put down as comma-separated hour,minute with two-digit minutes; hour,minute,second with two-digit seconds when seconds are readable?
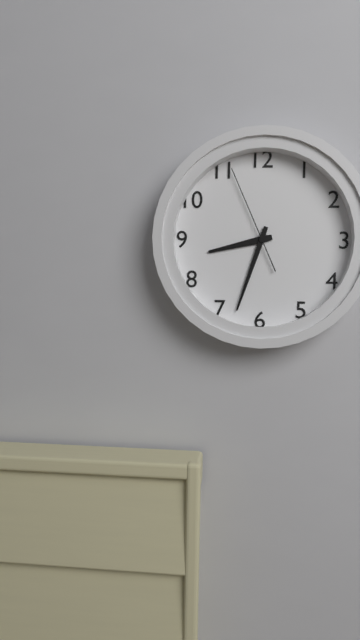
8,33,56
